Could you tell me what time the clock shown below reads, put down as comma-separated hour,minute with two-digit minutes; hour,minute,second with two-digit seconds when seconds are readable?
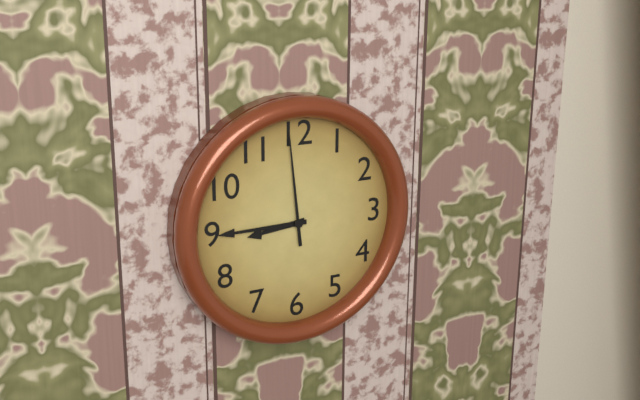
8,45,59
